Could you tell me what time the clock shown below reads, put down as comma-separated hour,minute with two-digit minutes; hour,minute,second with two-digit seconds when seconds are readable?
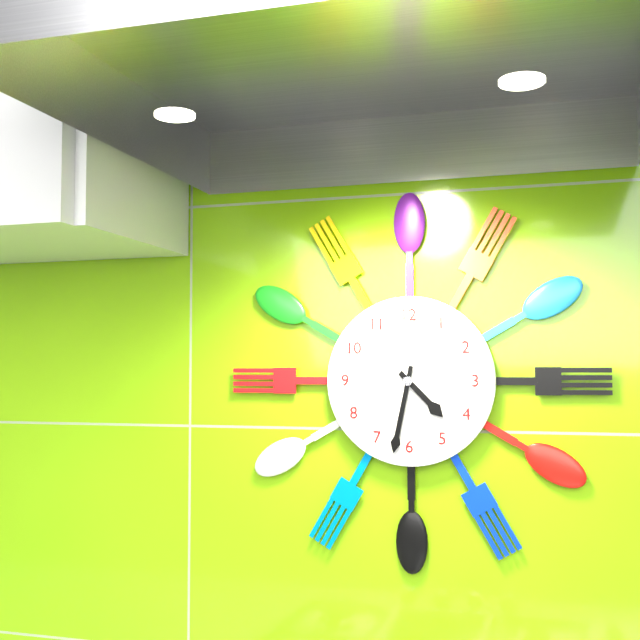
4,32
